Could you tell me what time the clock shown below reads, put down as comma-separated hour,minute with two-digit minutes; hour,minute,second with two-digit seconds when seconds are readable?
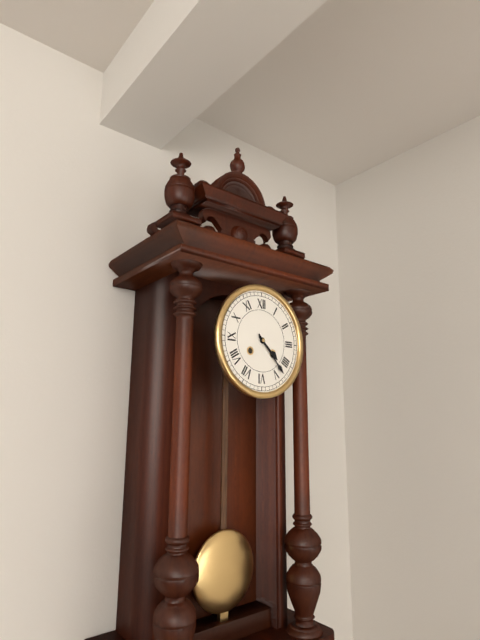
4,23
